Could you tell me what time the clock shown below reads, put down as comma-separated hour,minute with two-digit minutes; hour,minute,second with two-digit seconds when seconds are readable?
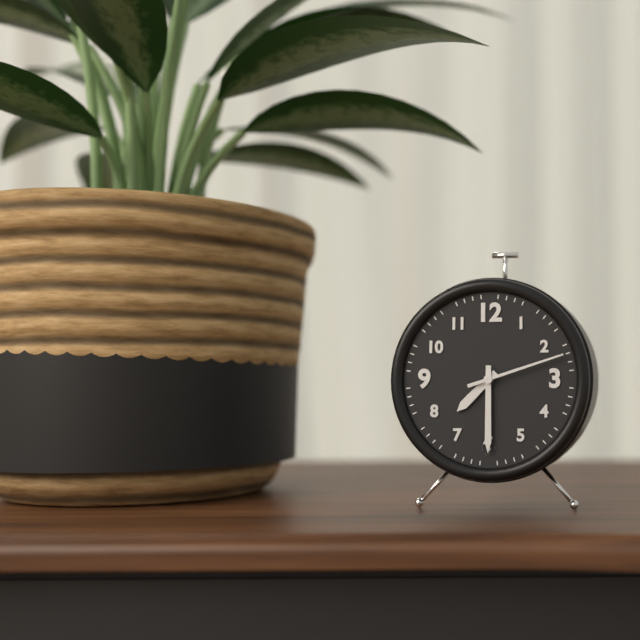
7,30,12
